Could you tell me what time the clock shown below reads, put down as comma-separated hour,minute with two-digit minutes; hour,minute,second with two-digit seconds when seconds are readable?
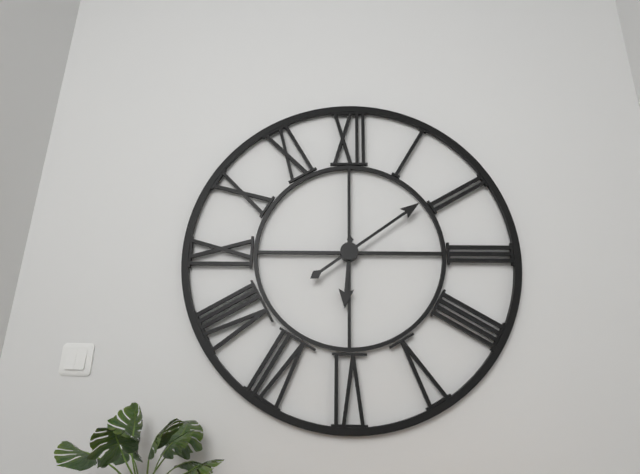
6,09
